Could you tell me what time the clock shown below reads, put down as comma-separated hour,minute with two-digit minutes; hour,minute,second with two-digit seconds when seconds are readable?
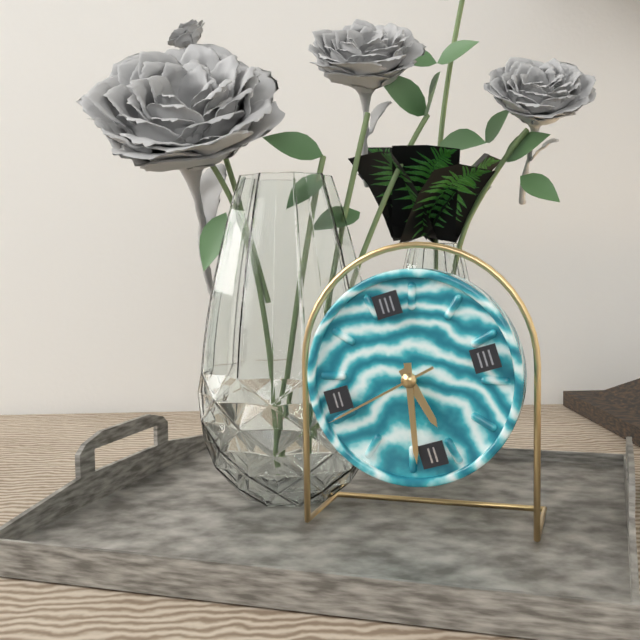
5,32,43
